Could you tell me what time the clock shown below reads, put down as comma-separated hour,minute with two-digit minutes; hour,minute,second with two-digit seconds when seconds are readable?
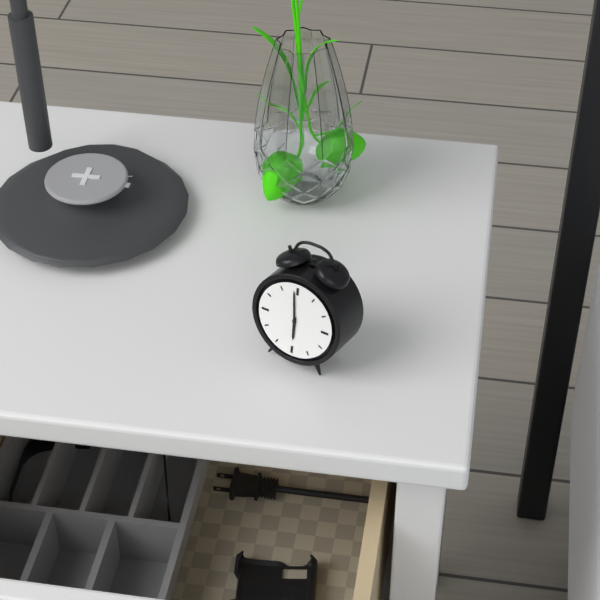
5,59
